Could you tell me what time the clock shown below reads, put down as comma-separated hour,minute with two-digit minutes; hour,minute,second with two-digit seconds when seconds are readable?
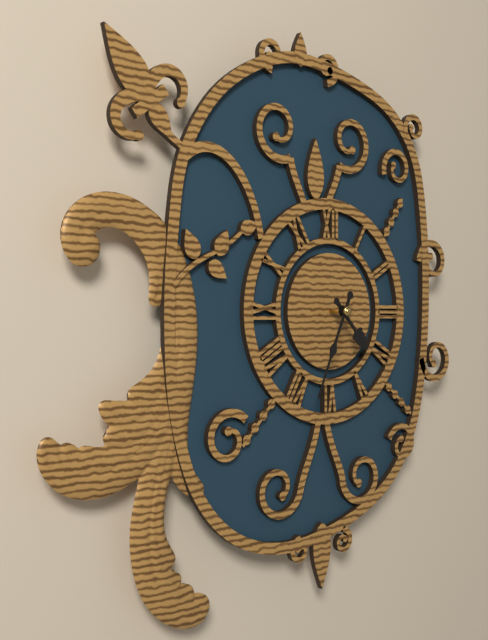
4,34
